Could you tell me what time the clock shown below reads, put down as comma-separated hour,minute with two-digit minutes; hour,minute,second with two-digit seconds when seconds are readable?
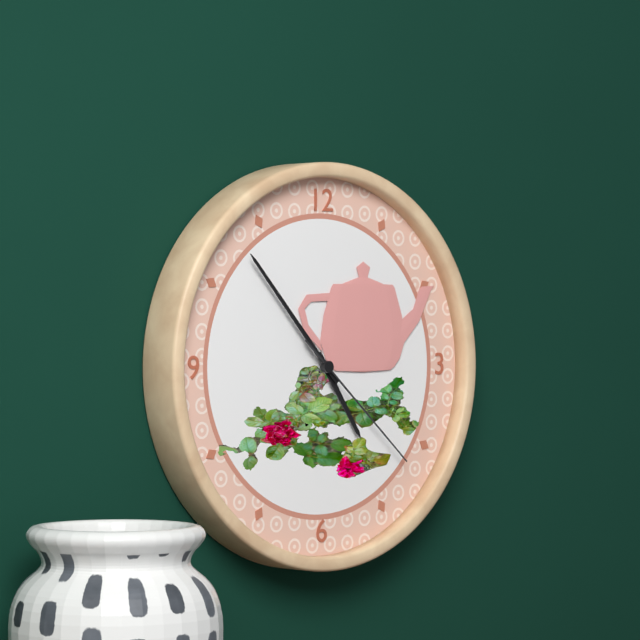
4,53,22
